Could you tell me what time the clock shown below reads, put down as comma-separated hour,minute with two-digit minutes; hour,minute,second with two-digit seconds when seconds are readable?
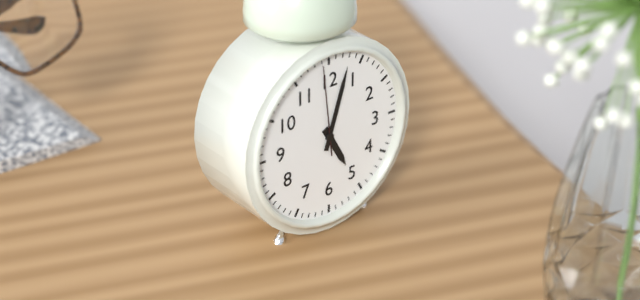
5,03,59
